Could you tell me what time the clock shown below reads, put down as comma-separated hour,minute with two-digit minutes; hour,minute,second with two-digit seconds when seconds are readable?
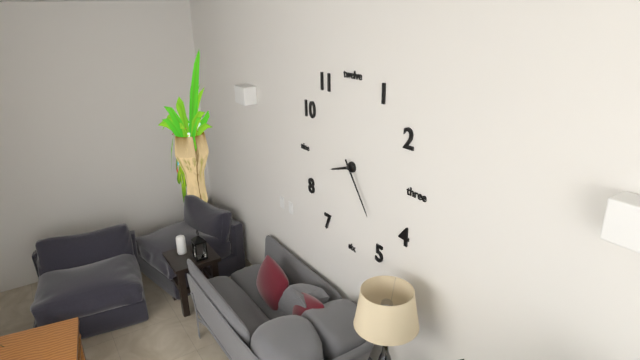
8,24
